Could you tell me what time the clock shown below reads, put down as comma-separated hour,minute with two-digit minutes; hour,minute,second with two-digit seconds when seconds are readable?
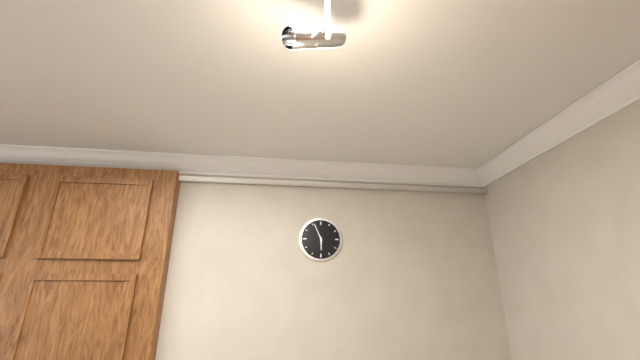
5,56
